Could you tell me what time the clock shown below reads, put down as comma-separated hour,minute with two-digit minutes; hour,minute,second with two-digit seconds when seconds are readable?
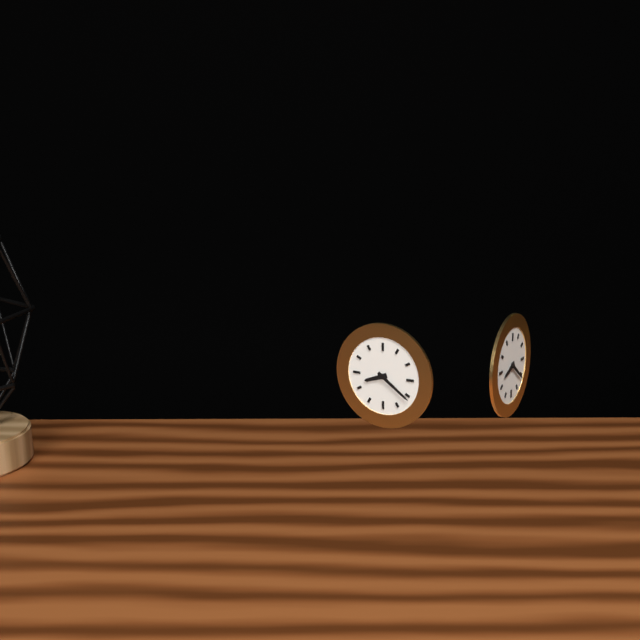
8,21
